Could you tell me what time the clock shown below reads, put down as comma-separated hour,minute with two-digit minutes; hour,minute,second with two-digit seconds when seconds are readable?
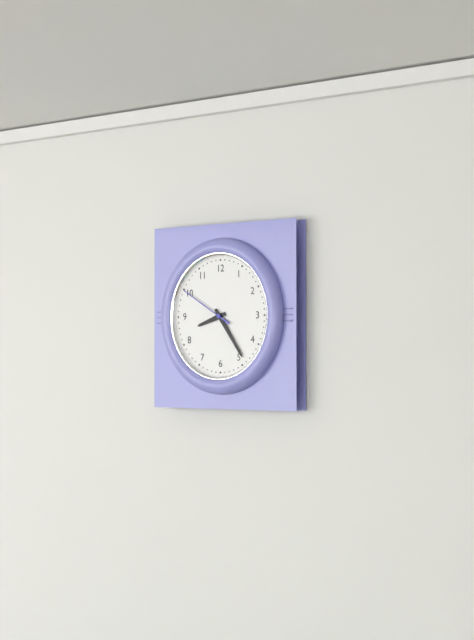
8,24,50
